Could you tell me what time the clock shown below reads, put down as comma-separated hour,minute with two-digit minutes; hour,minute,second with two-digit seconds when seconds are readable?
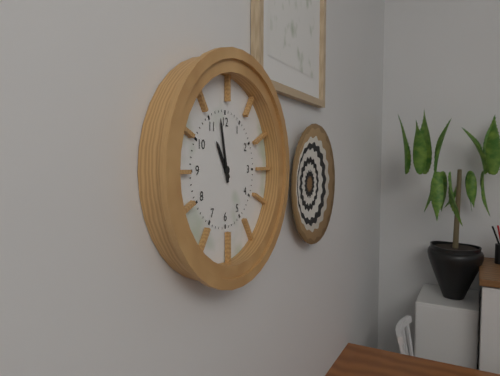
10,58
